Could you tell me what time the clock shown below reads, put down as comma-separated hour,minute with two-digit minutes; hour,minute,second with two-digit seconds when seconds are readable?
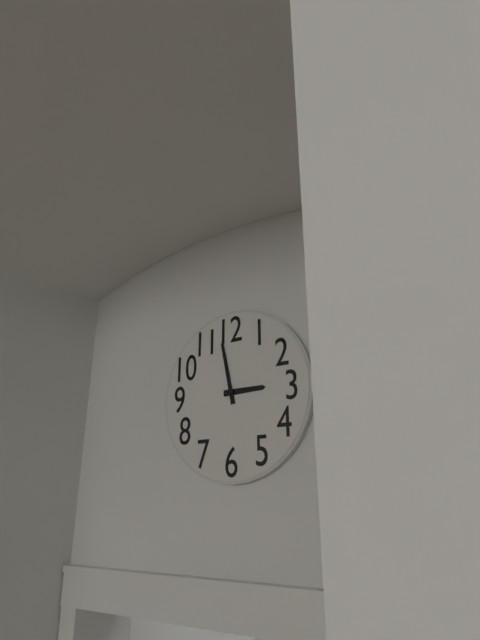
2,58
